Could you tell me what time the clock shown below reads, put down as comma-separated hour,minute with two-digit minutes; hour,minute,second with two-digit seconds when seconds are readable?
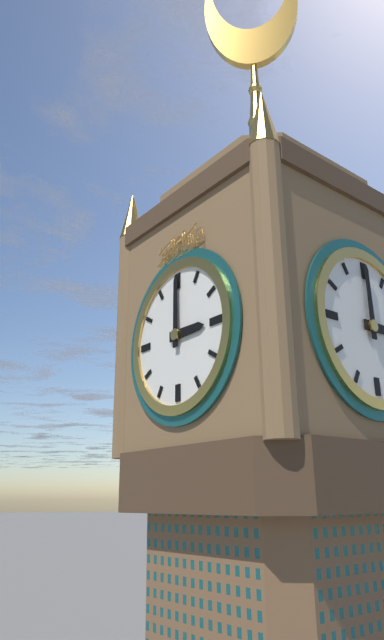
3,00
